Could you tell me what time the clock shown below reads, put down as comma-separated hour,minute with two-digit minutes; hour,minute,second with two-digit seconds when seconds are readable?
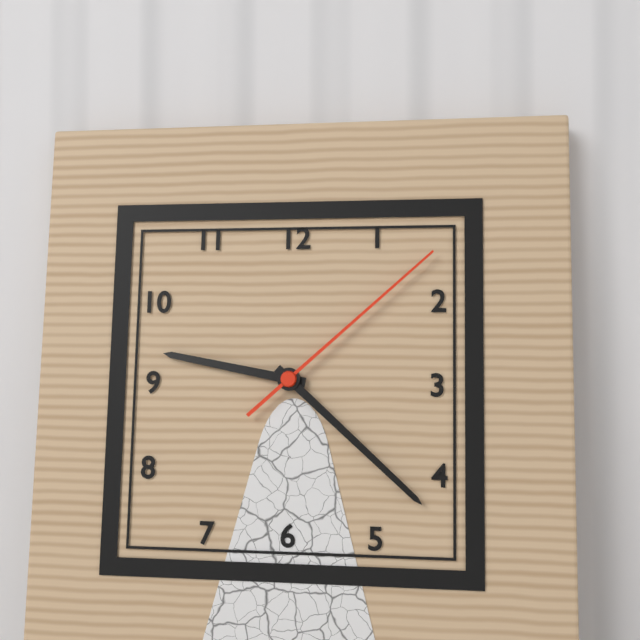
9,22,08
